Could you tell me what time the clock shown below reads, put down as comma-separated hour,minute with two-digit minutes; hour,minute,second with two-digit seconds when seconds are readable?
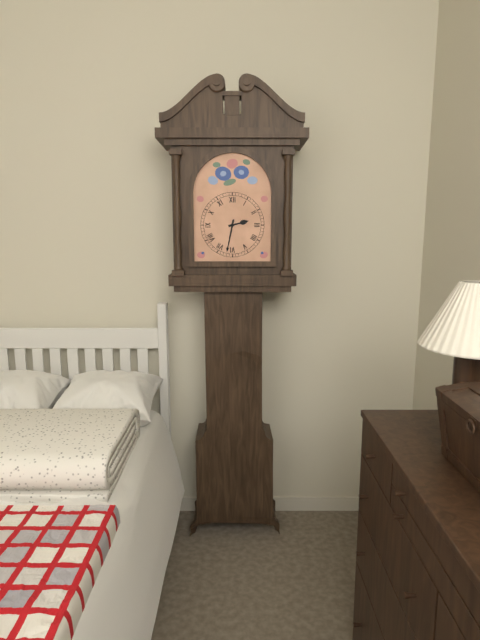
2,32
